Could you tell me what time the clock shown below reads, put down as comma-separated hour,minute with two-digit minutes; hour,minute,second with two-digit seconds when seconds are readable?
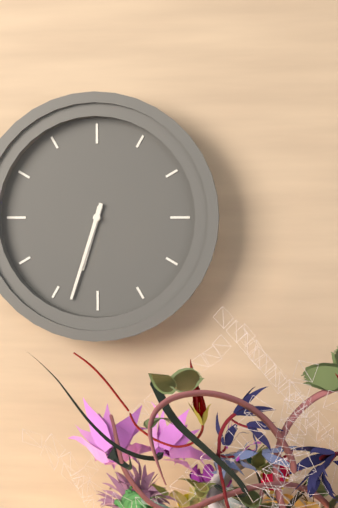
6,33
